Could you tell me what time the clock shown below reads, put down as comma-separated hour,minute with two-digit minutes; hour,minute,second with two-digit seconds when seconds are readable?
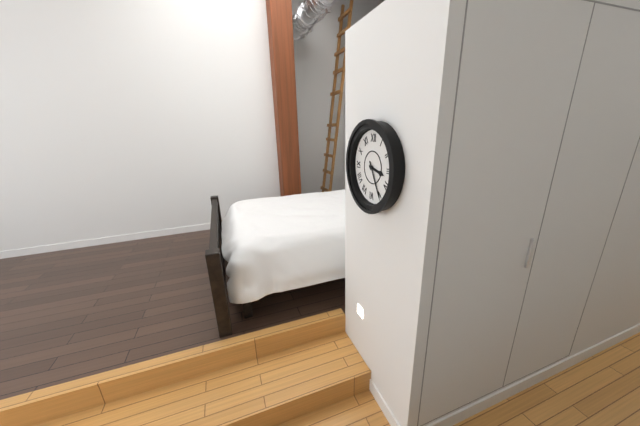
3,25
